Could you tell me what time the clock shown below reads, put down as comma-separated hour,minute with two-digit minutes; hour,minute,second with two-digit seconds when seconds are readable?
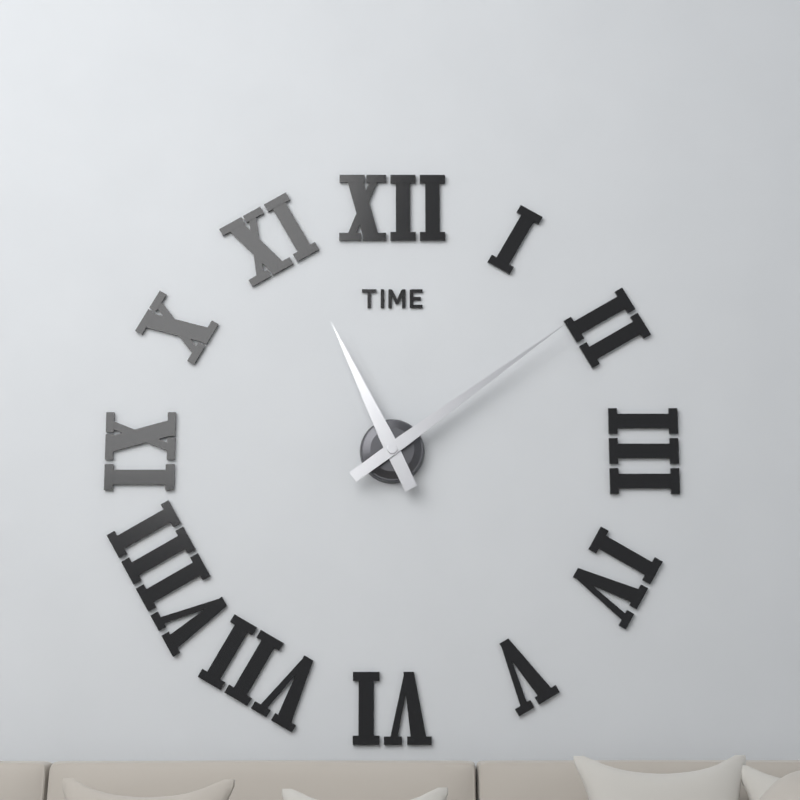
11,09
